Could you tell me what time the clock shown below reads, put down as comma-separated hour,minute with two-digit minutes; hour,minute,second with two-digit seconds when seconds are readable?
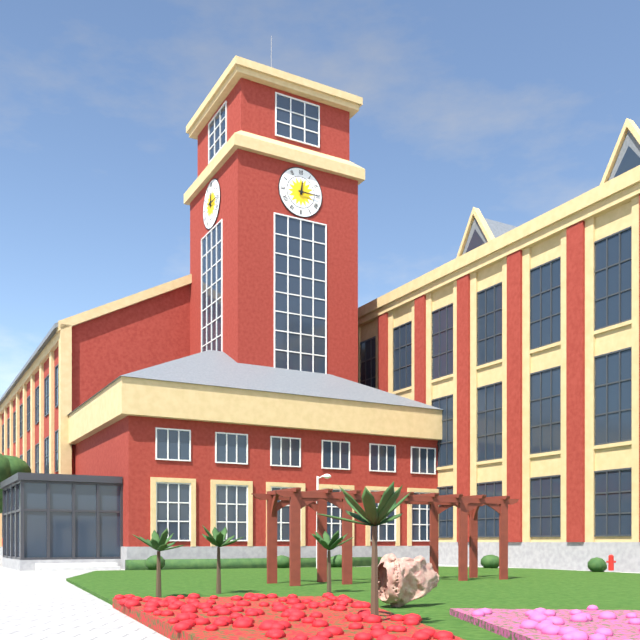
12,15
